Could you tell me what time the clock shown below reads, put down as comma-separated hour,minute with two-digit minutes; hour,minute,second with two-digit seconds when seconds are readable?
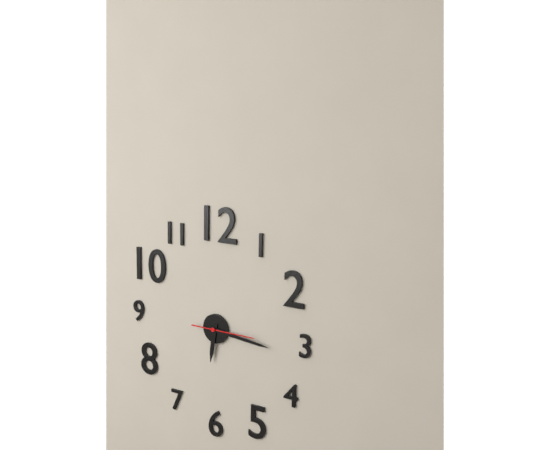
6,16,15
